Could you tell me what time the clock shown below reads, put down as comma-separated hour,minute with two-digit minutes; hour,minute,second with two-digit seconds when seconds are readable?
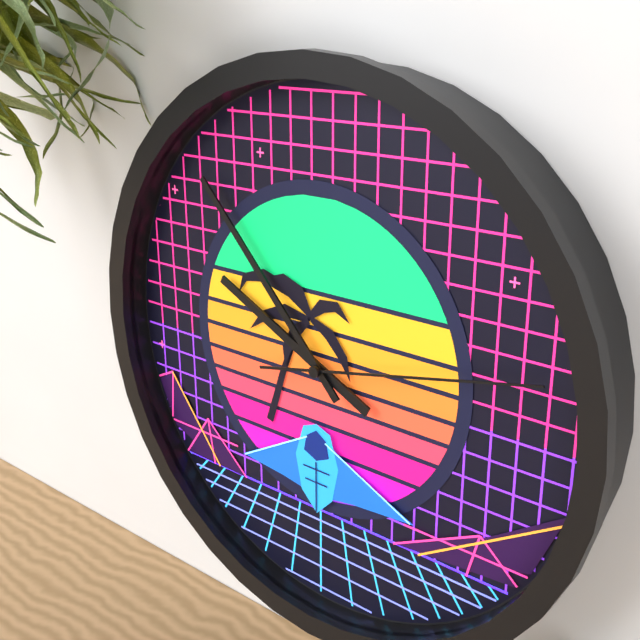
9,53,13
